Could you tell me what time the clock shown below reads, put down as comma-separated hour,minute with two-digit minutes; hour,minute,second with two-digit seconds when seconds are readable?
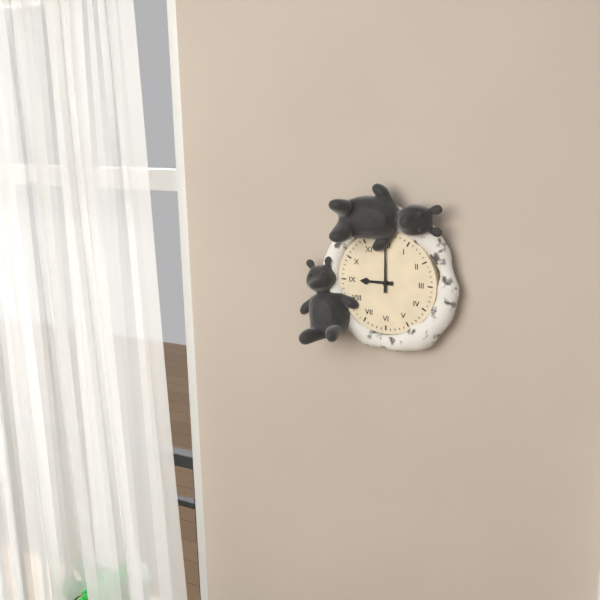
9,00
